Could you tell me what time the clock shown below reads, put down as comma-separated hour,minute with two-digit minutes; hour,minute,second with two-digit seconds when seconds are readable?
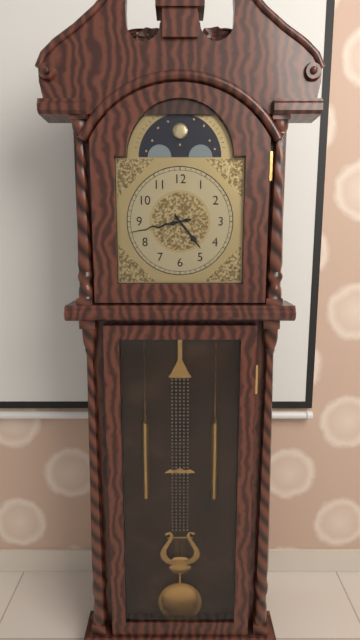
4,43
